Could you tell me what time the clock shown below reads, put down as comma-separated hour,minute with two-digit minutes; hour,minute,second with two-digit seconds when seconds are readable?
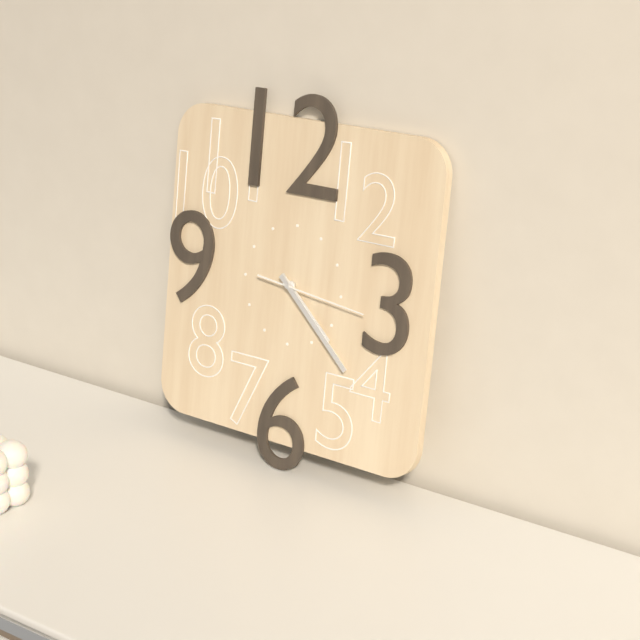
4,22,16
